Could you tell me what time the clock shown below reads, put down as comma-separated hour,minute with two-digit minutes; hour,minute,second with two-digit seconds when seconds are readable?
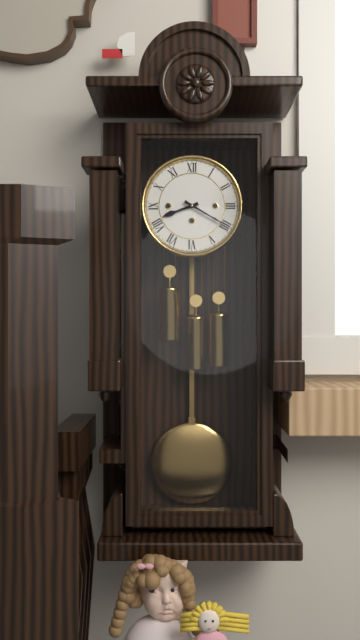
8,20
